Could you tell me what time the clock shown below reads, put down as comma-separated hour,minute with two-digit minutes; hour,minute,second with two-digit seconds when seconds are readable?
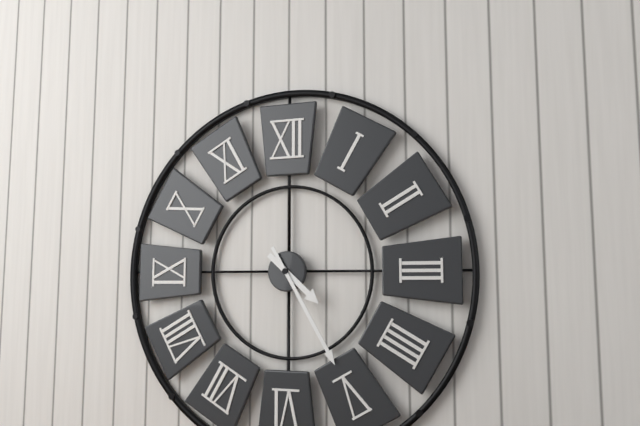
4,25
